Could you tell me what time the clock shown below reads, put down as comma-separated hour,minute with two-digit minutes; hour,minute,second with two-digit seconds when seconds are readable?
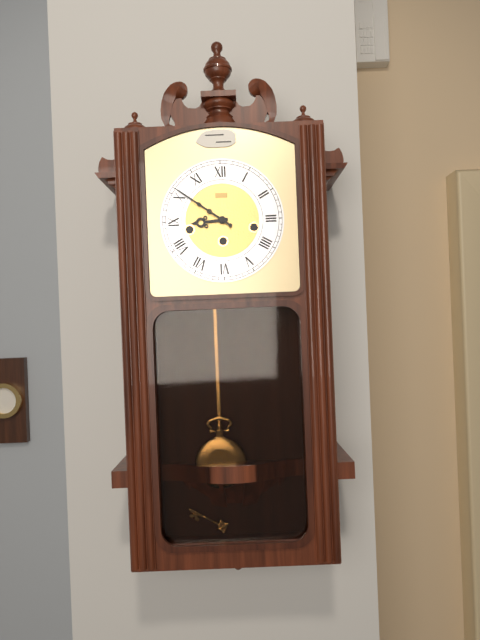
8,51
